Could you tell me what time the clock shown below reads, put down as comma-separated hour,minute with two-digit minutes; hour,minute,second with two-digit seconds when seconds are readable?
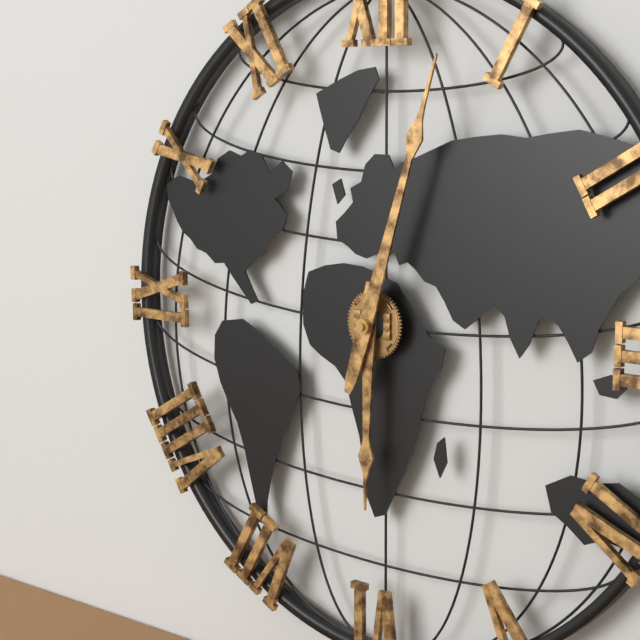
6,03
